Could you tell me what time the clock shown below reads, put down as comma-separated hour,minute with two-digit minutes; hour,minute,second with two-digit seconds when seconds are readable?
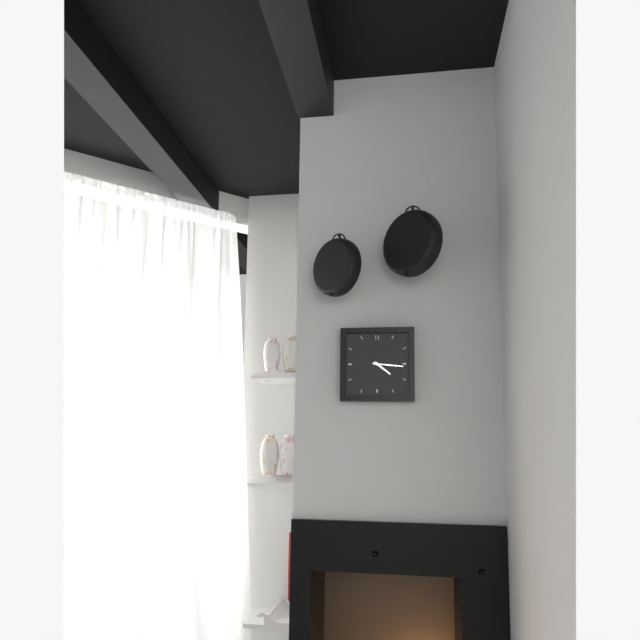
4,16
